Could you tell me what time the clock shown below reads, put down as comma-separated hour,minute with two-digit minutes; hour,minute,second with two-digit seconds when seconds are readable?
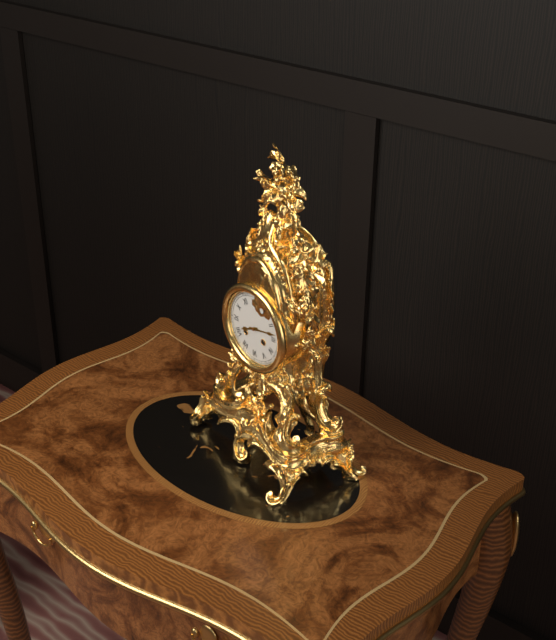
8,13
